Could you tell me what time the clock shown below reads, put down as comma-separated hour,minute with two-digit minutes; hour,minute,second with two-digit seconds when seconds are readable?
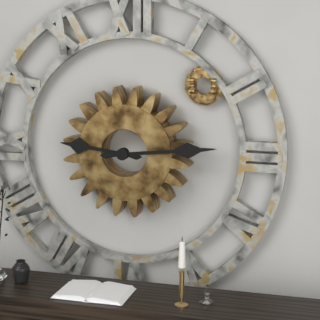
9,14
